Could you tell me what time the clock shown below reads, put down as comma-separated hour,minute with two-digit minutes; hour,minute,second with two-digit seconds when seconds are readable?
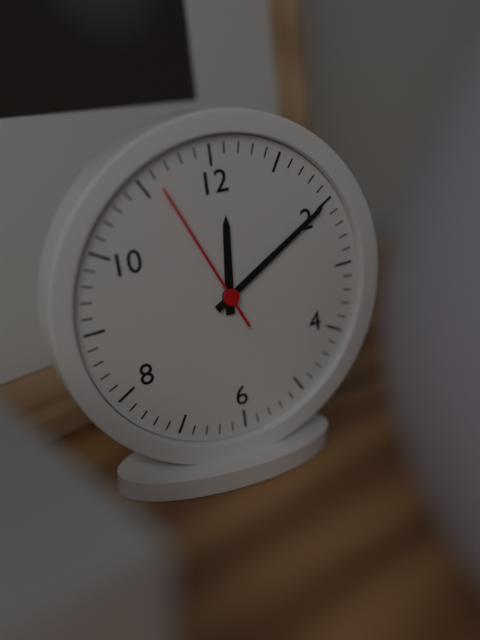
12,10,56
